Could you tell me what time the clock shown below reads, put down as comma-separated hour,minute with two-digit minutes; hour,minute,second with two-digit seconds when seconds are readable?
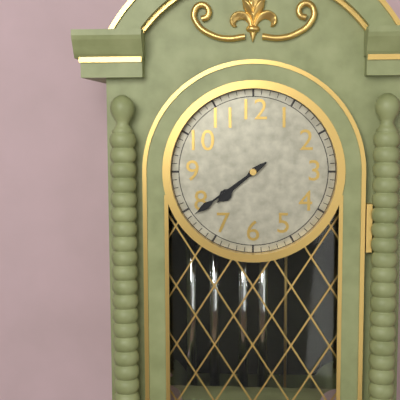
7,39
